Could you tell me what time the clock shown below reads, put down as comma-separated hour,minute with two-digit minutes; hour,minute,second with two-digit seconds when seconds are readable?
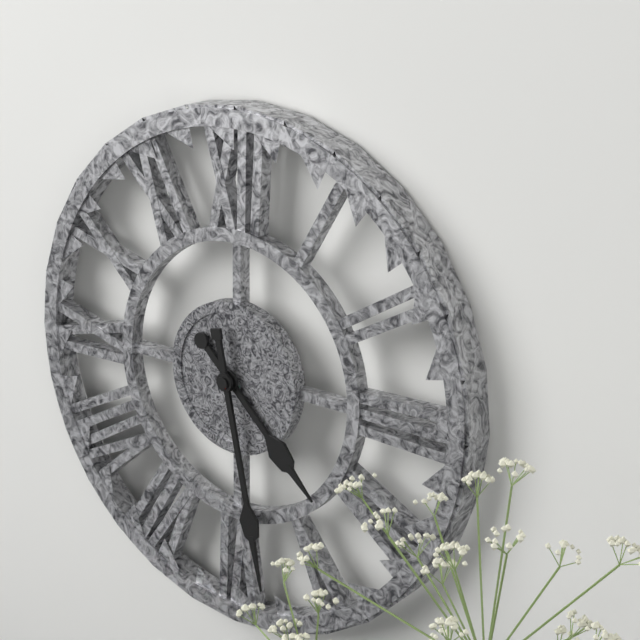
4,28
